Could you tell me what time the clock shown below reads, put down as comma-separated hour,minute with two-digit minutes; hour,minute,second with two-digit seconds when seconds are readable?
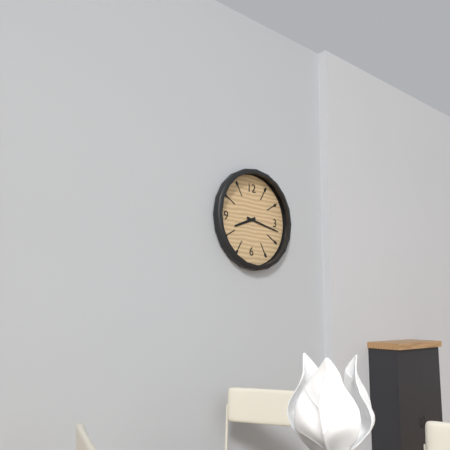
8,17
